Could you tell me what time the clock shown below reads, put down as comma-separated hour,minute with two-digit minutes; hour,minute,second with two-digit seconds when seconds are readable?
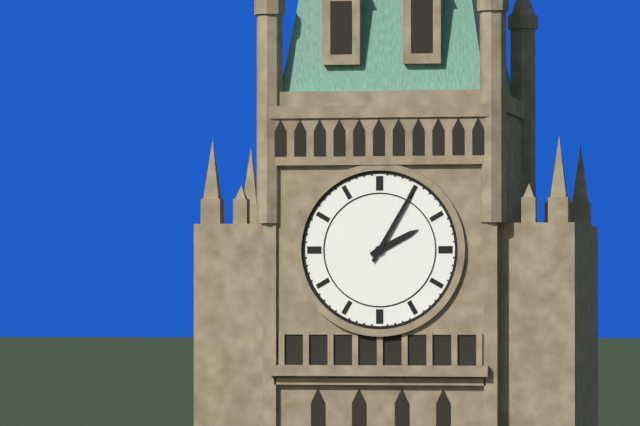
2,05
